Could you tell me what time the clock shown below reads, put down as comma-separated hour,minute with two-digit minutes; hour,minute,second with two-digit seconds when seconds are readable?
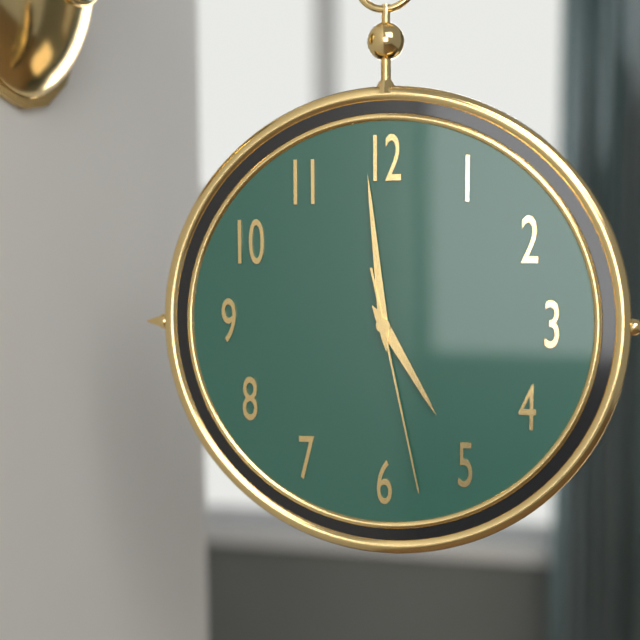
4,59,28
